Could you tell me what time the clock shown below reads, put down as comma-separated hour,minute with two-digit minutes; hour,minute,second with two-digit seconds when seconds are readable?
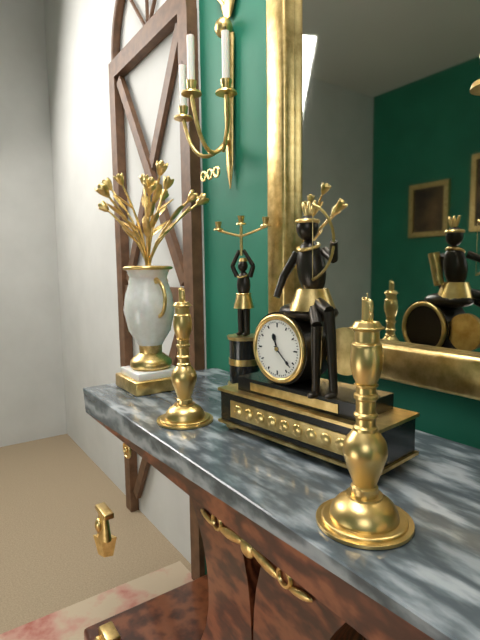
11,22
